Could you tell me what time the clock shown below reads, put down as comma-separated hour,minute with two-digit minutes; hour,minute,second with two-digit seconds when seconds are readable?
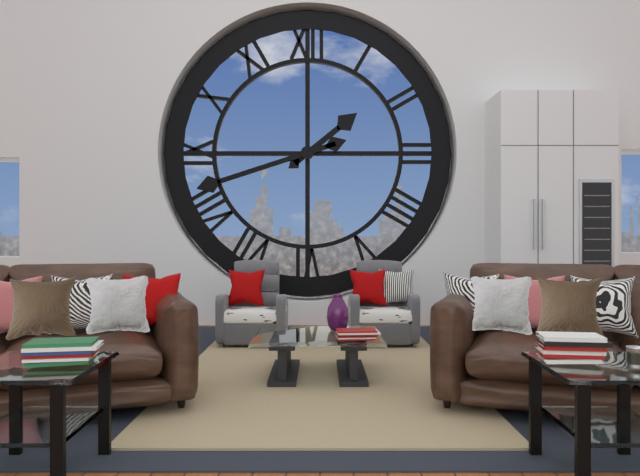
1,42
